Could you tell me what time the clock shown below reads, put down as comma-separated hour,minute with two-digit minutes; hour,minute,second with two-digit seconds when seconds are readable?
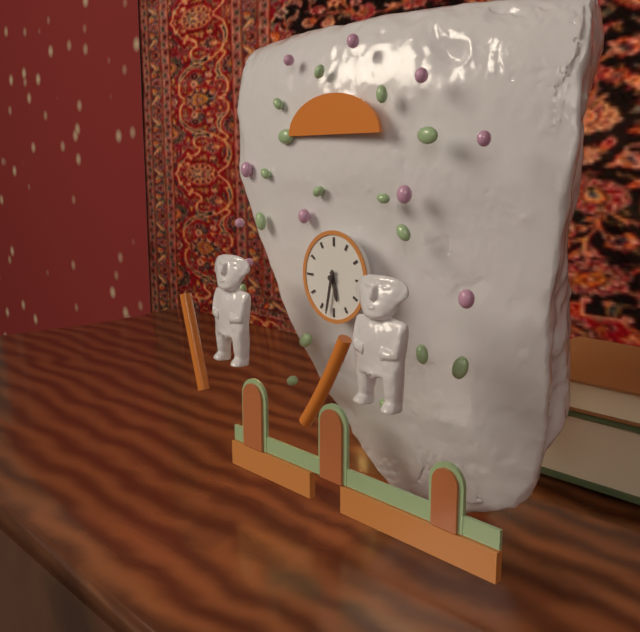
5,32
